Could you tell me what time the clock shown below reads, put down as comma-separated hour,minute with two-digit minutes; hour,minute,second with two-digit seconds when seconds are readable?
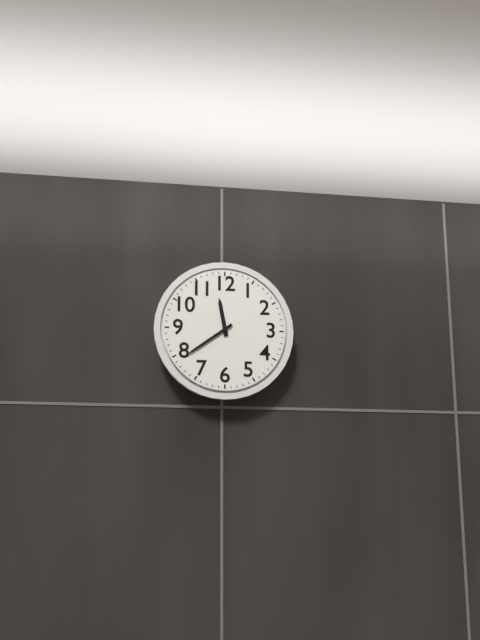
11,39
